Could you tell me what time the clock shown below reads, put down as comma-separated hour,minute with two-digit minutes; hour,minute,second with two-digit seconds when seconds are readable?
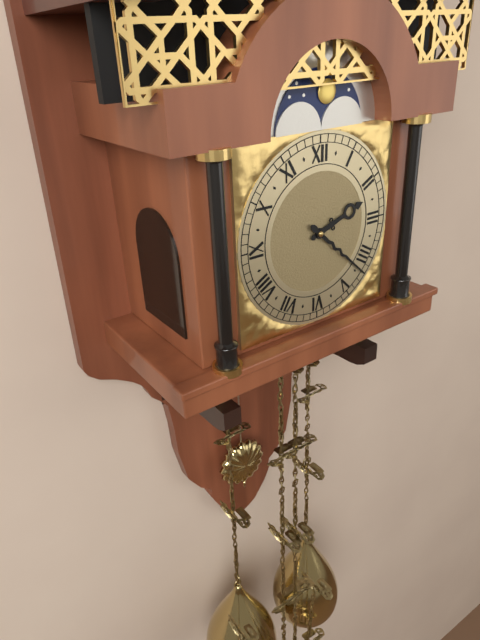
2,22
